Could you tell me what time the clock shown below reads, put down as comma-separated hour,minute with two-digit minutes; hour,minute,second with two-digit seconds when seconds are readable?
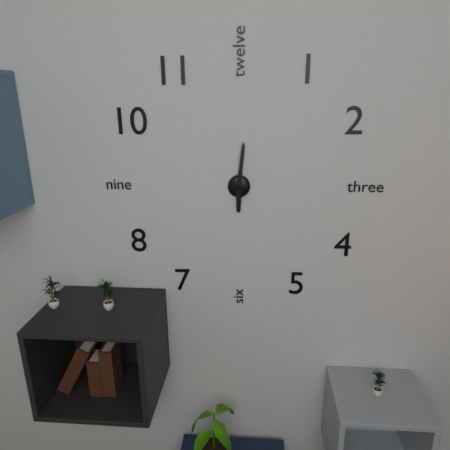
6,01
